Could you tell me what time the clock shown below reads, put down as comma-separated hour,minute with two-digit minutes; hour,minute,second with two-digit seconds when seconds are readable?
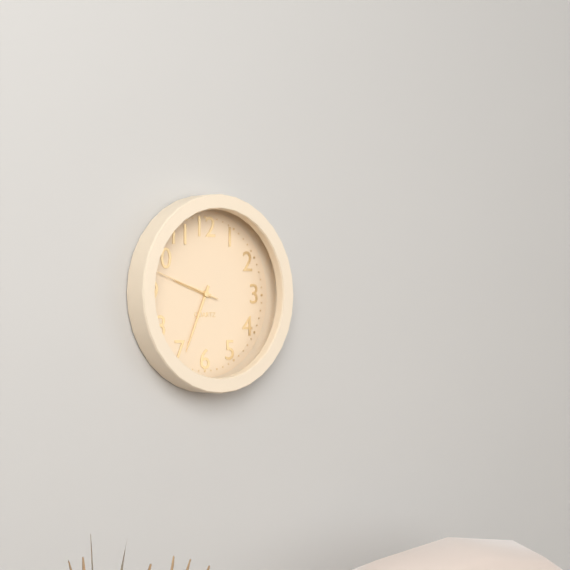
9,34,48
